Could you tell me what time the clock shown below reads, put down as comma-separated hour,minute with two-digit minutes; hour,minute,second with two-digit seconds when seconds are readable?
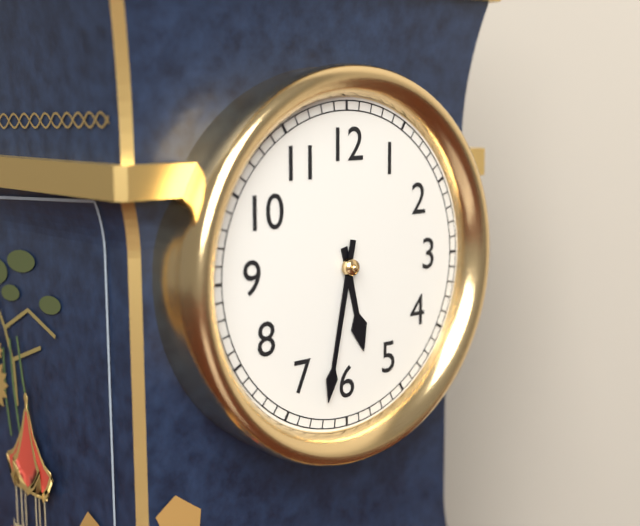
5,32
